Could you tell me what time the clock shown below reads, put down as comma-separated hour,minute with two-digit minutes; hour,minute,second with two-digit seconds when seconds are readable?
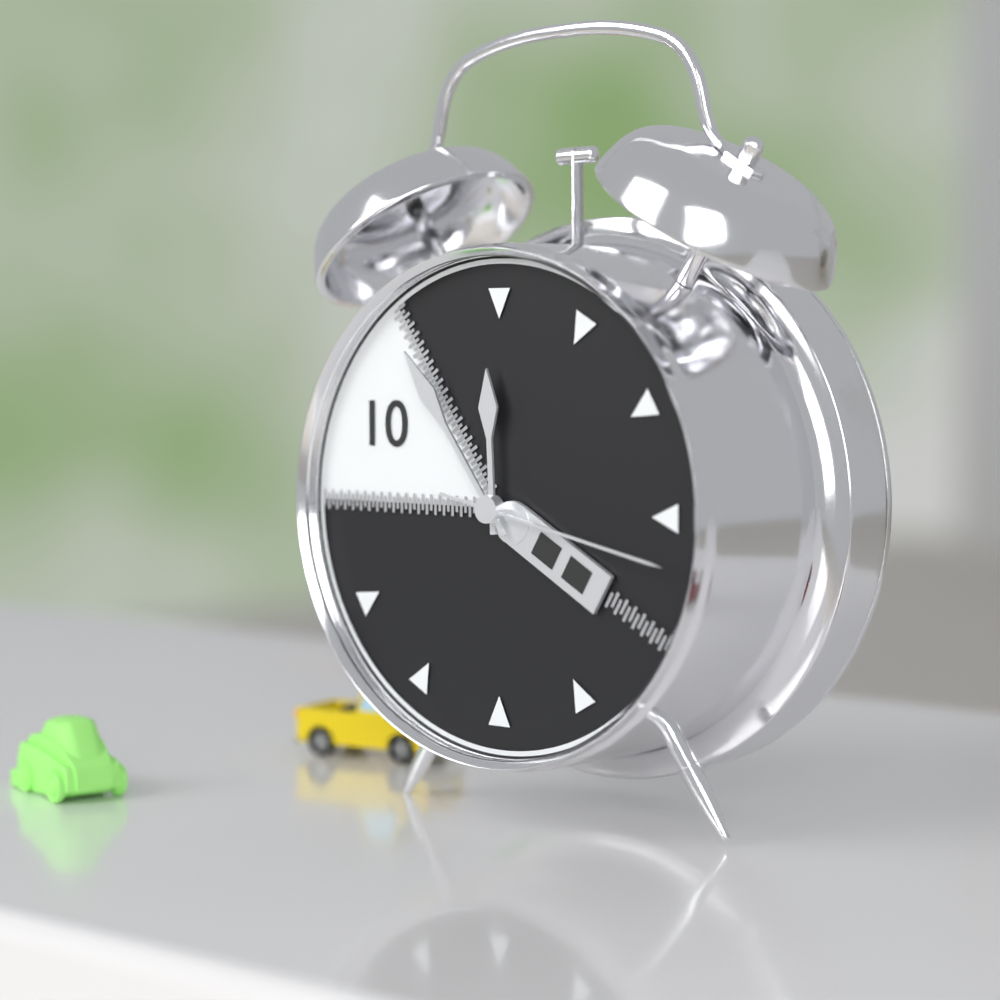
11,54,17
